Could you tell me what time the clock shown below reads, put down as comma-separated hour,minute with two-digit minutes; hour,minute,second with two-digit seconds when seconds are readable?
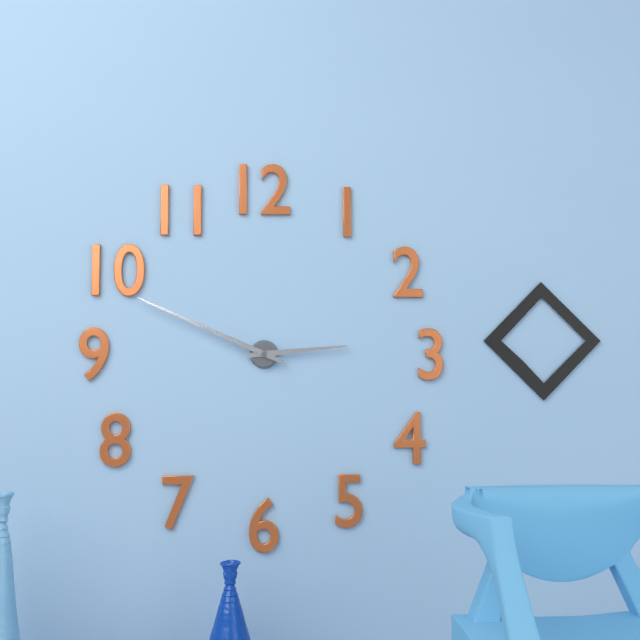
2,49
